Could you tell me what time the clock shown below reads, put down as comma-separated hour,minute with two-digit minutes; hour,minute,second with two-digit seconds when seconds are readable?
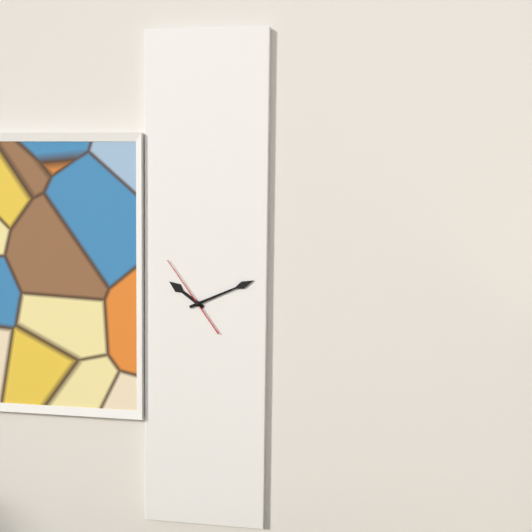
10,11,54
